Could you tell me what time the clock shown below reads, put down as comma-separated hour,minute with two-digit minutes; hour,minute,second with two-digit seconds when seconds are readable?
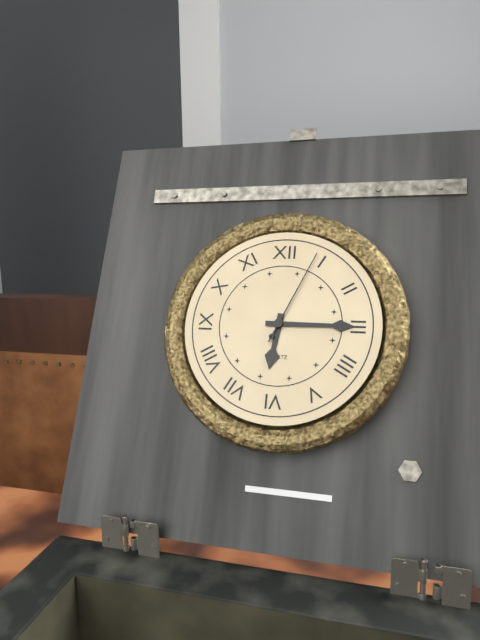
6,15,04
